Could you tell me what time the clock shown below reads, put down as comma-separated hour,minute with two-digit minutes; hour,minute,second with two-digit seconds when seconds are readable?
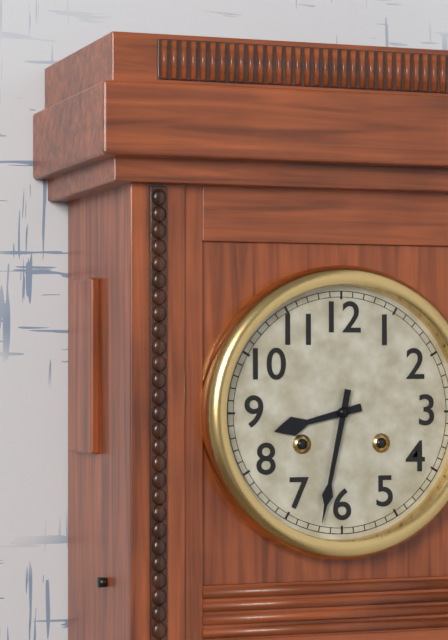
8,32
